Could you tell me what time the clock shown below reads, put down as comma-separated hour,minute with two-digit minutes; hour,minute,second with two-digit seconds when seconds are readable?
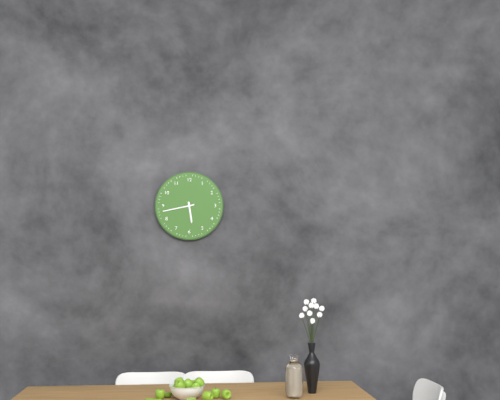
5,43
